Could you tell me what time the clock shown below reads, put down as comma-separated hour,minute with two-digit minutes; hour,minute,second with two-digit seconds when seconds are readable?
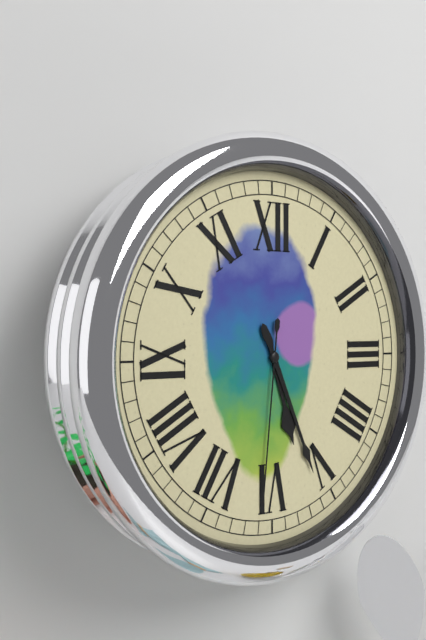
5,26,31
